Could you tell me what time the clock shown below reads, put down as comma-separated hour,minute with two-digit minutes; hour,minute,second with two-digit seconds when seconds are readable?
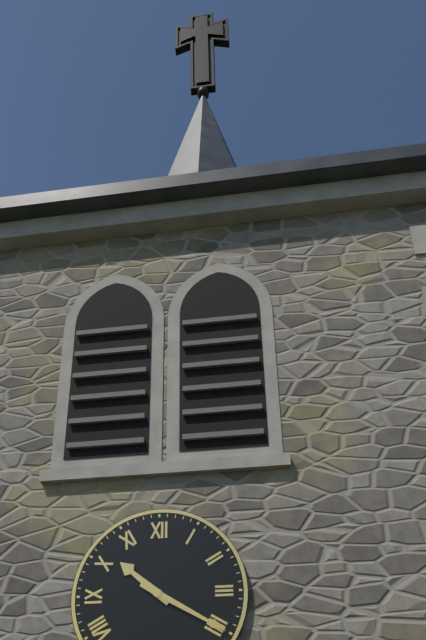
10,20
